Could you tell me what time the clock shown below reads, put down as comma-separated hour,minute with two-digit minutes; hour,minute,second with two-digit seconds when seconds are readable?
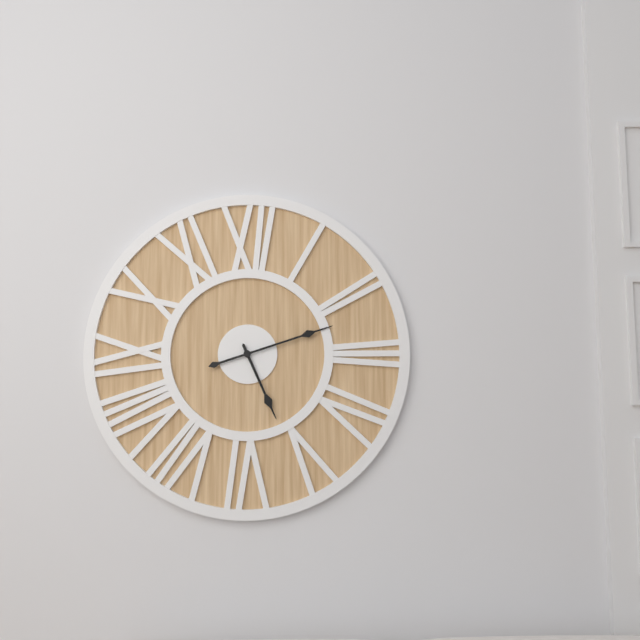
5,12
